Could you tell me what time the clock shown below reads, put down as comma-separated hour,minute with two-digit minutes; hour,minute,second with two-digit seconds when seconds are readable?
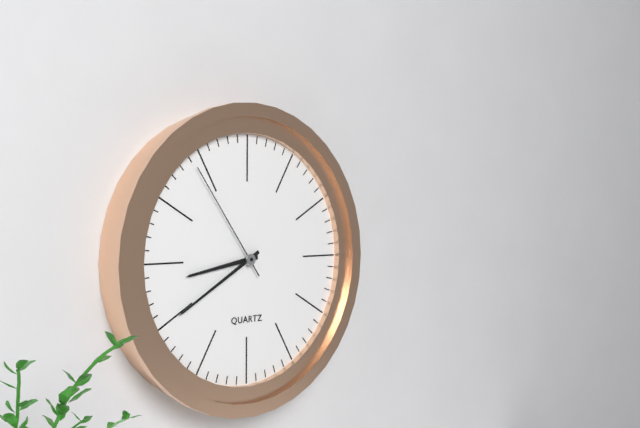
8,40,54
